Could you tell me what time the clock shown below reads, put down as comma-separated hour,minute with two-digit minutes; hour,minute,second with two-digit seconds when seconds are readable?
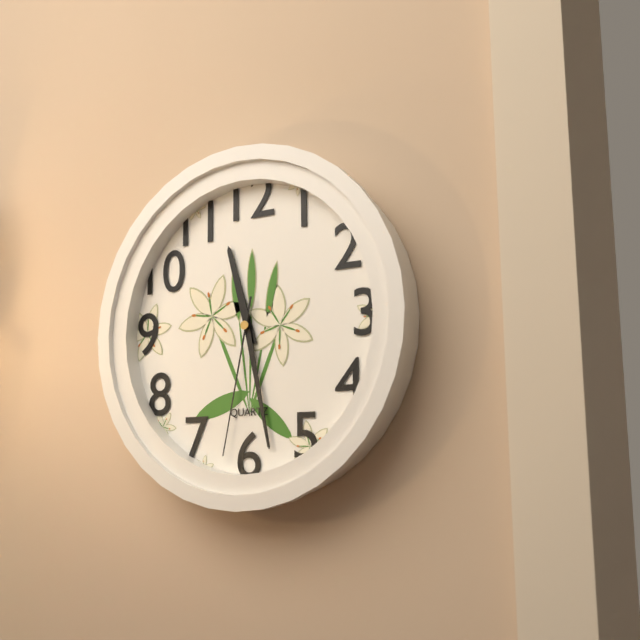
11,28,32
